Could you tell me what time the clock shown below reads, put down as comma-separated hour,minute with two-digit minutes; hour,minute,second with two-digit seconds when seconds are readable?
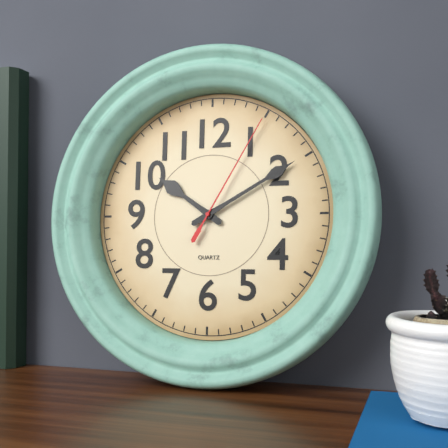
10,10,05
